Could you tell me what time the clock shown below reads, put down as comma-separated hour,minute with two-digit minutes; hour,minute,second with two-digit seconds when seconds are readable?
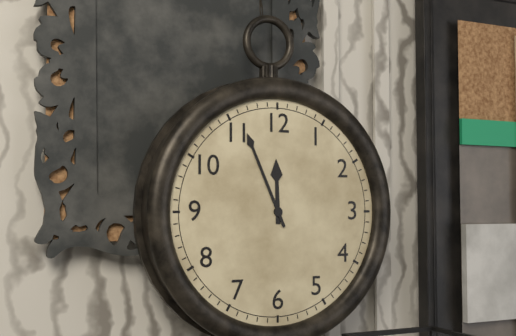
11,56
